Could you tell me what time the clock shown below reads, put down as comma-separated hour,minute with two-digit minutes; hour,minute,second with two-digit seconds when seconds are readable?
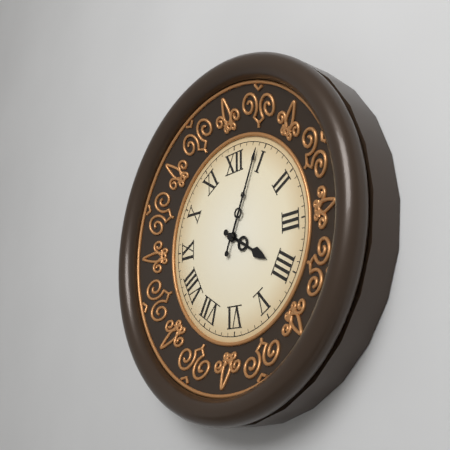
4,04
